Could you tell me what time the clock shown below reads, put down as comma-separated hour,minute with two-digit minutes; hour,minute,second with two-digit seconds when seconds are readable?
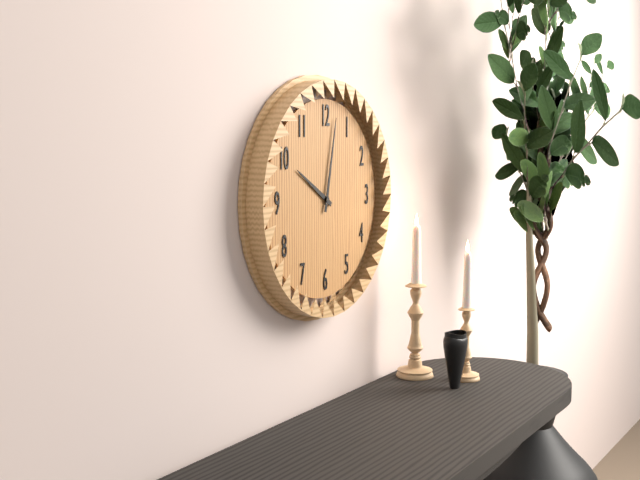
10,02
